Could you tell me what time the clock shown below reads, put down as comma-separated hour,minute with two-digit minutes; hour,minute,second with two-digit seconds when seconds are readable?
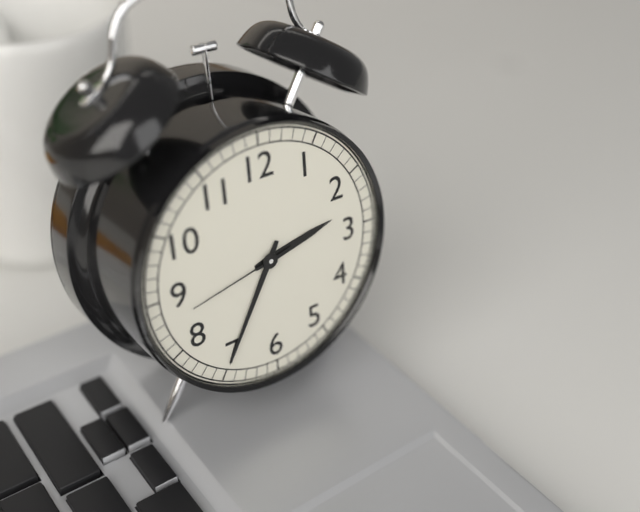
2,35,43
